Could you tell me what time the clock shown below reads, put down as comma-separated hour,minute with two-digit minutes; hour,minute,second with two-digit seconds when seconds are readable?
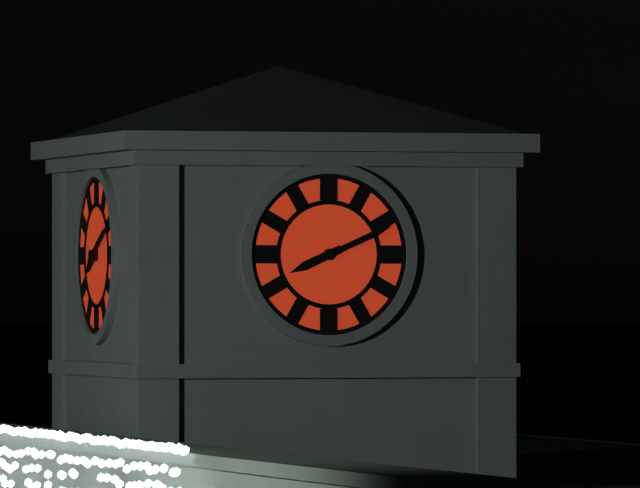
8,11
